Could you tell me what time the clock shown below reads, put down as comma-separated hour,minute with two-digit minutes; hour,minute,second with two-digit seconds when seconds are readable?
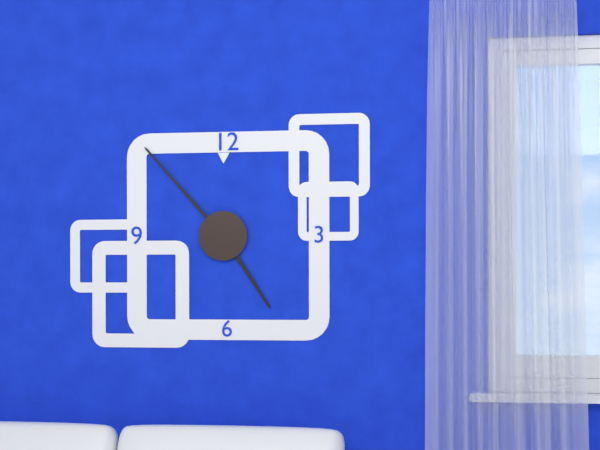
4,53
